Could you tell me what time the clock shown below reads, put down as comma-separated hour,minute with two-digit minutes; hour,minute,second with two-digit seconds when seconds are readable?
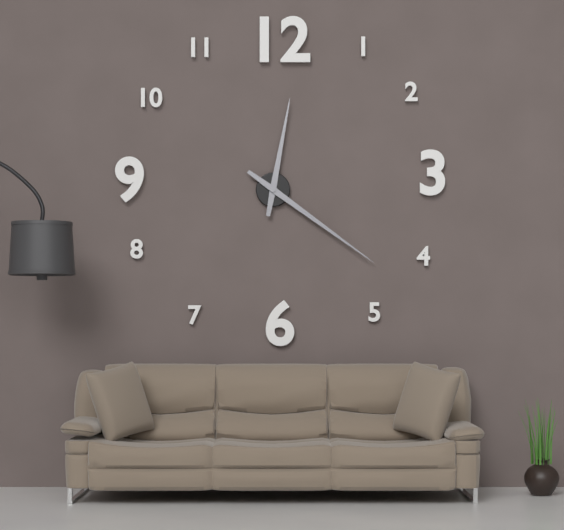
12,21
